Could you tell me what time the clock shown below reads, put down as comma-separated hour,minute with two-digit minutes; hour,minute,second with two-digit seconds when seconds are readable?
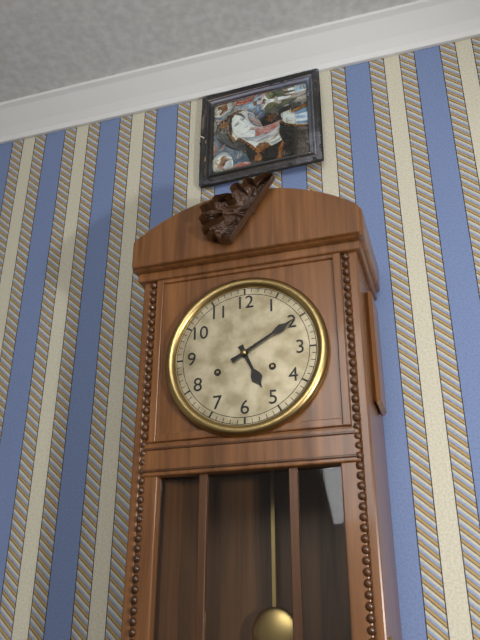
5,10
